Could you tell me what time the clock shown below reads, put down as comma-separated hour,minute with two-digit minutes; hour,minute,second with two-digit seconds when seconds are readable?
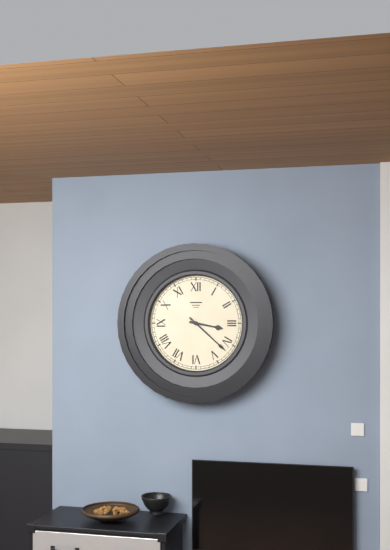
3,22
